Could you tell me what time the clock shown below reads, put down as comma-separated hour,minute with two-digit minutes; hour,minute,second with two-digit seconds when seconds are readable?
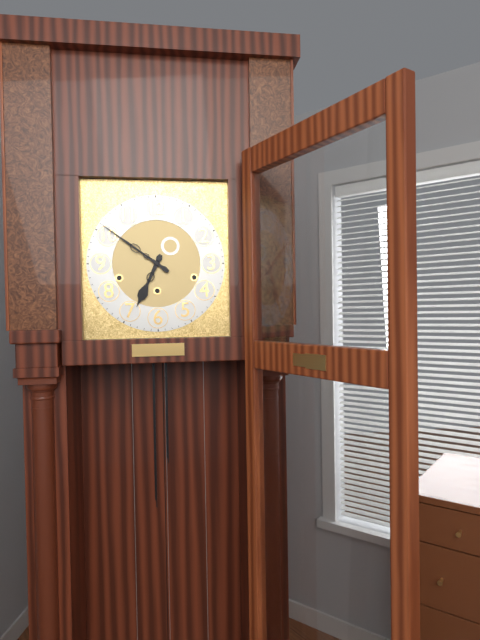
6,51
